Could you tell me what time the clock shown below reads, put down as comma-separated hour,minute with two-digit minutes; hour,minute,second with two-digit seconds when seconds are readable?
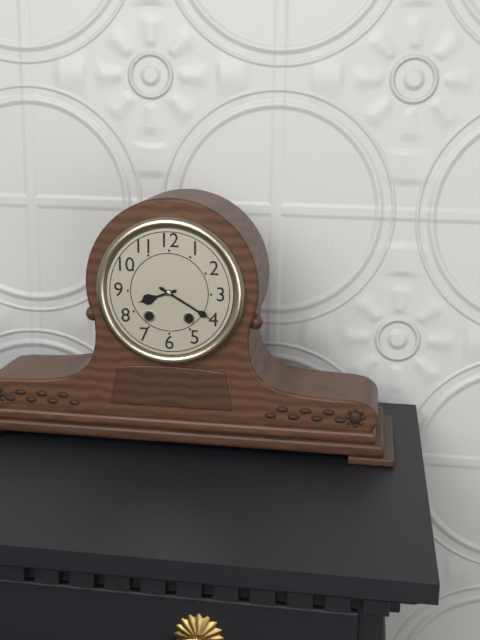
8,20
